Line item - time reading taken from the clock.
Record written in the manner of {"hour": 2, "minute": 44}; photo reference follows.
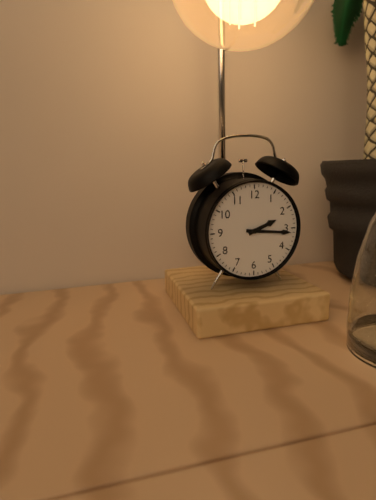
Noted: {"hour": 2, "minute": 16}
